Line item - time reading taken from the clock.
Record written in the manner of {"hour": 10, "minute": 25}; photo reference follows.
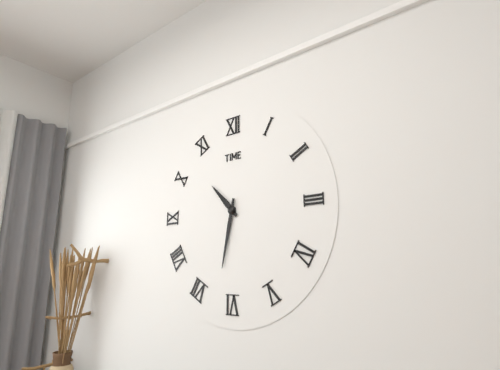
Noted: {"hour": 10, "minute": 32}
